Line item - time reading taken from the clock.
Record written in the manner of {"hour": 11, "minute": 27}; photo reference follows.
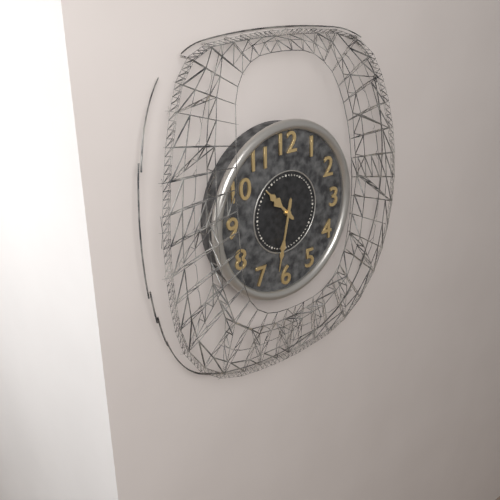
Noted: {"hour": 10, "minute": 32}
